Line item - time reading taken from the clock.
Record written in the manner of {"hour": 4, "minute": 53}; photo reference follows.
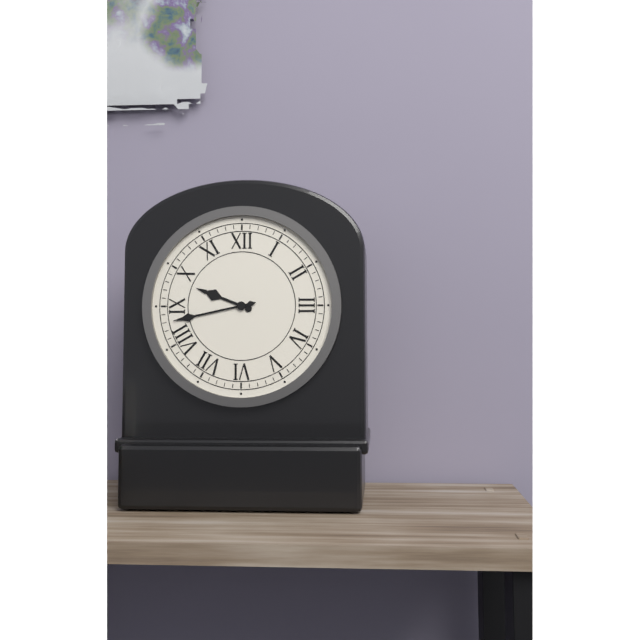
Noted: {"hour": 9, "minute": 43}
